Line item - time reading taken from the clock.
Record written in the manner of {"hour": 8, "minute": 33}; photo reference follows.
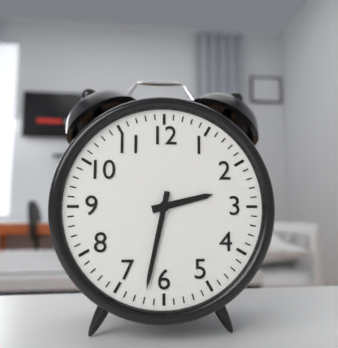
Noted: {"hour": 2, "minute": 32}
